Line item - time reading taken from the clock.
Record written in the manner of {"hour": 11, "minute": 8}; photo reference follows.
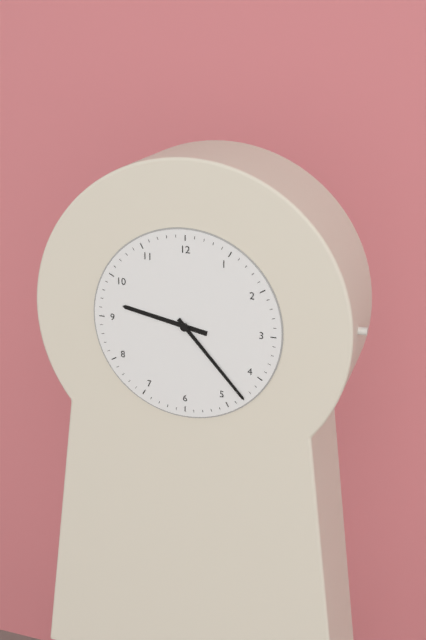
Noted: {"hour": 9, "minute": 23}
